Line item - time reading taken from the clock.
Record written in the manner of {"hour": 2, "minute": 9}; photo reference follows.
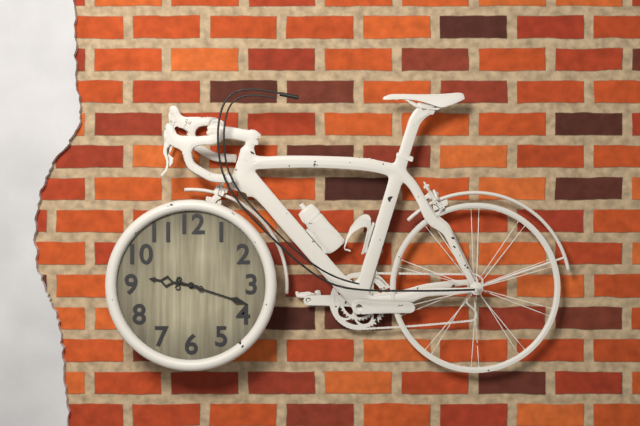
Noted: {"hour": 9, "minute": 18}
